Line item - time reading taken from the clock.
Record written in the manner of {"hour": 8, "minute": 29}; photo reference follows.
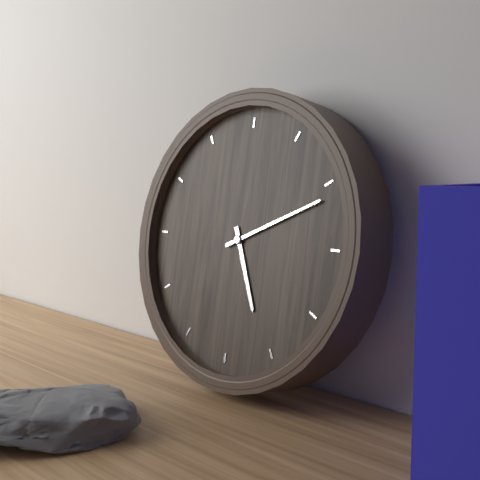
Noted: {"hour": 5, "minute": 11}
